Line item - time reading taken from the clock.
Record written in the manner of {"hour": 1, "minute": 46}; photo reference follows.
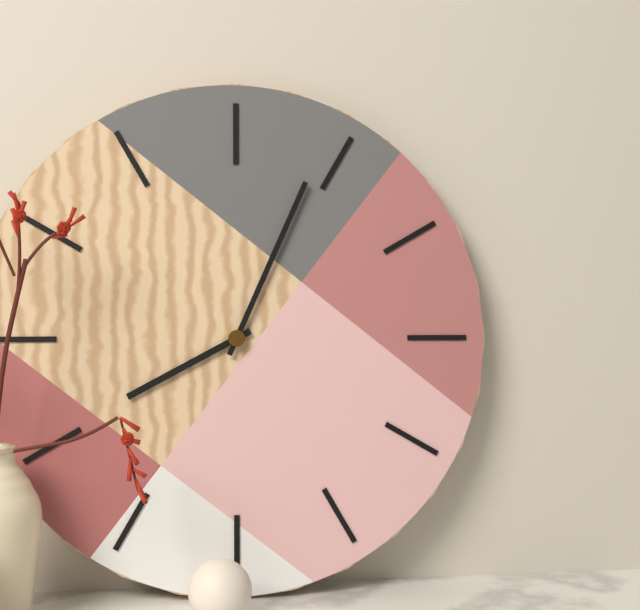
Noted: {"hour": 8, "minute": 4}
